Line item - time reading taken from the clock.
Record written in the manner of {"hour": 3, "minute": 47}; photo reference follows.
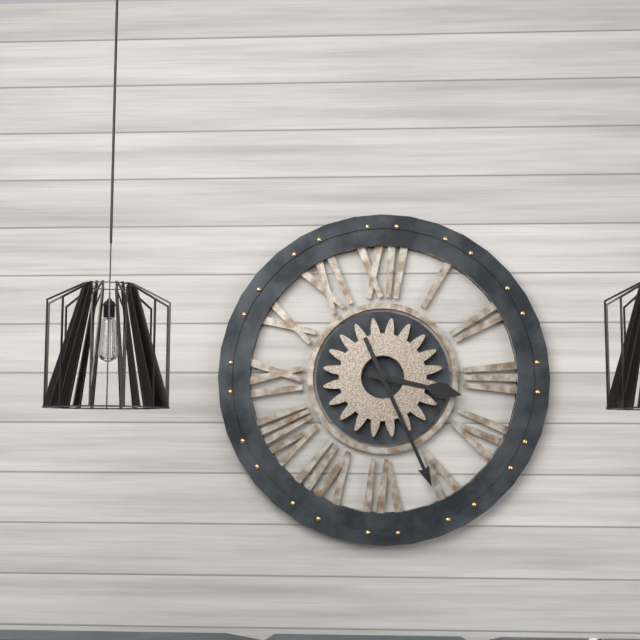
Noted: {"hour": 3, "minute": 26}
